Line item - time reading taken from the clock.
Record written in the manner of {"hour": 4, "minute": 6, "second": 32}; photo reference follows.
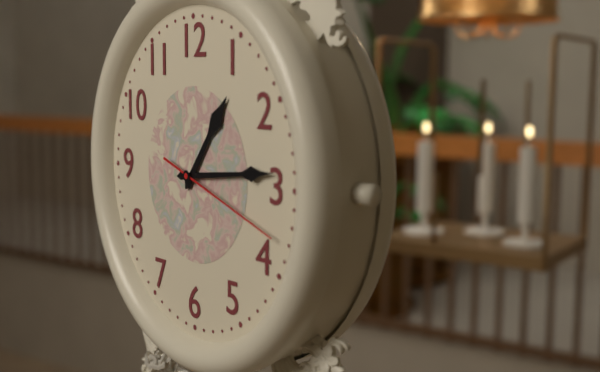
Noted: {"hour": 1, "minute": 14, "second": 18}
